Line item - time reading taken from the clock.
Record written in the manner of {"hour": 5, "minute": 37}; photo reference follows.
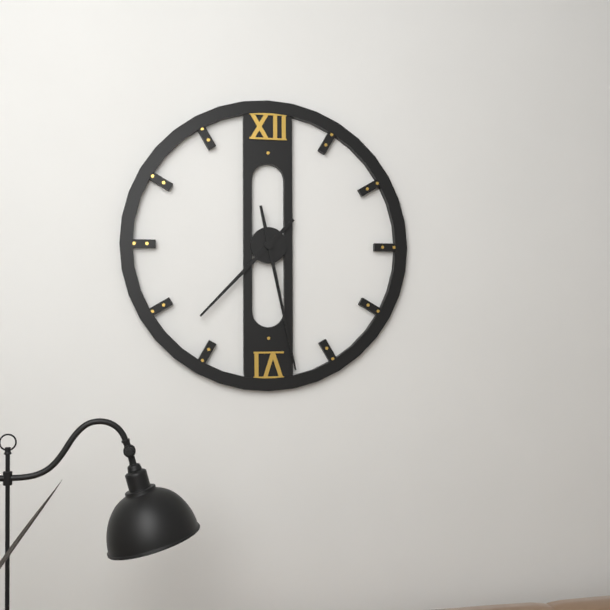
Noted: {"hour": 7, "minute": 28}
